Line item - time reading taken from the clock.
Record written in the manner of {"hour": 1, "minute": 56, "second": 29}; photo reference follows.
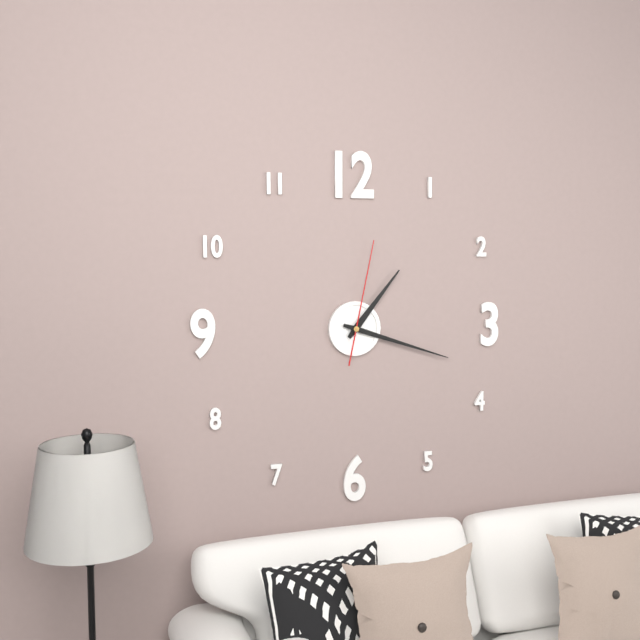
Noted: {"hour": 1, "minute": 18, "second": 2}
